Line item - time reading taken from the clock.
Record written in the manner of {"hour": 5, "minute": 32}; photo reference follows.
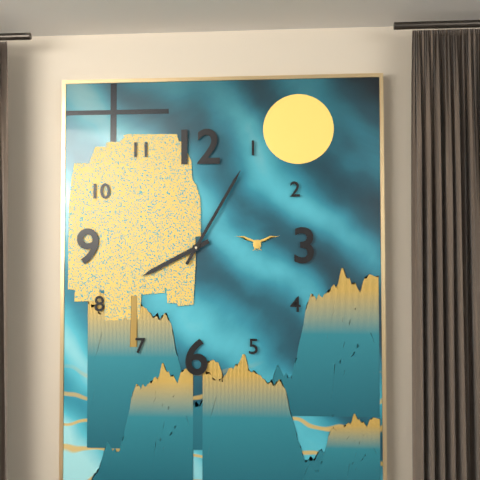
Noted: {"hour": 8, "minute": 5}
